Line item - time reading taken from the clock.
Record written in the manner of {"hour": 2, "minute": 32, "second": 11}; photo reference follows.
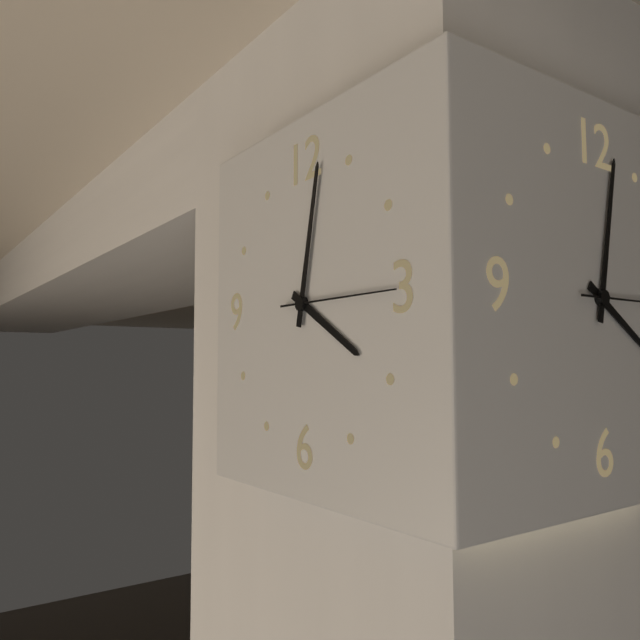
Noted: {"hour": 4, "minute": 2, "second": 15}
